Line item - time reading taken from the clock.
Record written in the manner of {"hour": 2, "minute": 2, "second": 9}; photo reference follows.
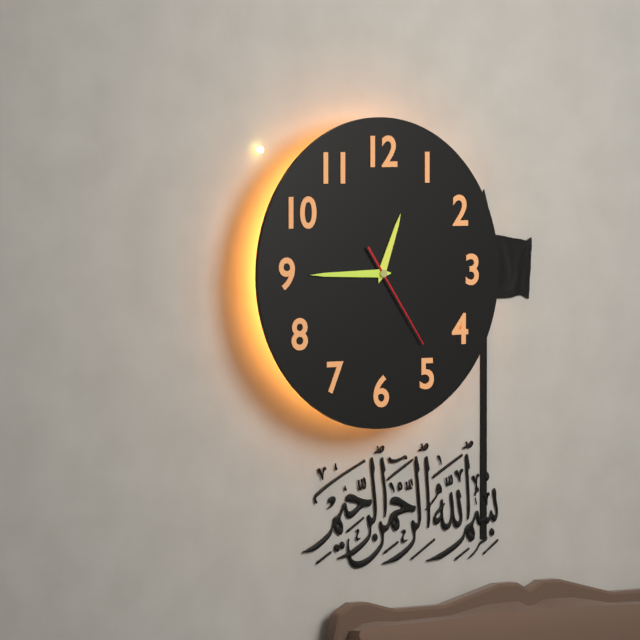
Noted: {"hour": 12, "minute": 45, "second": 24}
